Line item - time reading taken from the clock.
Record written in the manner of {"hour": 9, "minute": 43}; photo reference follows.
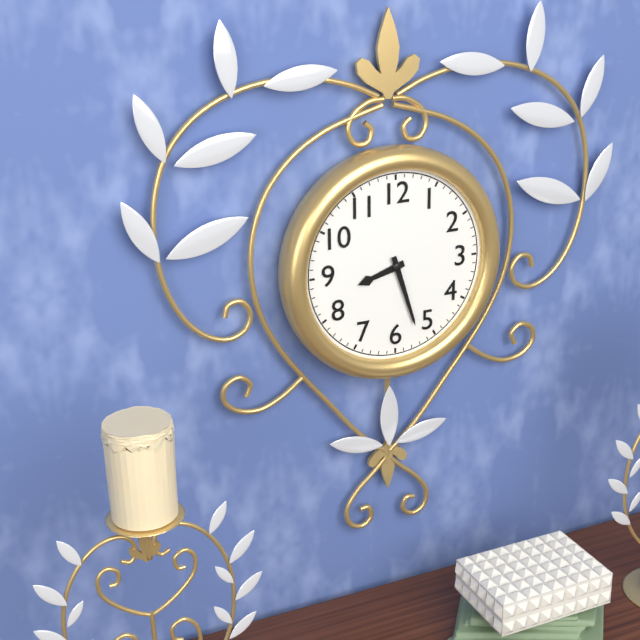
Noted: {"hour": 8, "minute": 27}
